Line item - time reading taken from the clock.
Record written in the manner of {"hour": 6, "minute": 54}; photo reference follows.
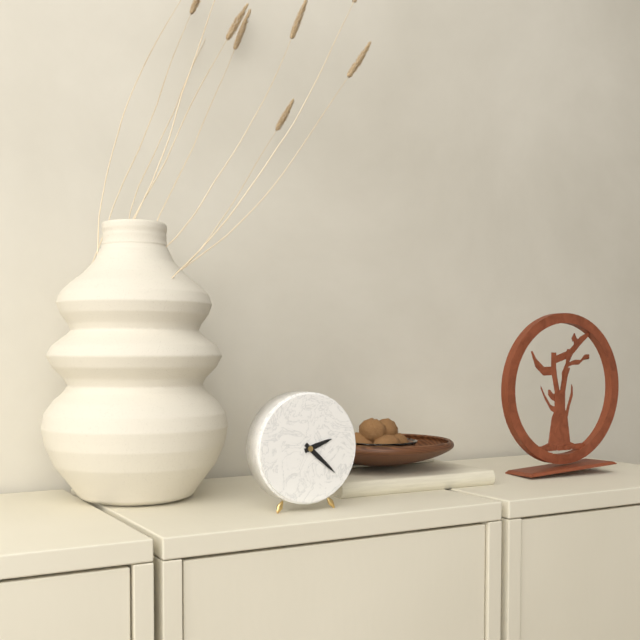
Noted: {"hour": 2, "minute": 22}
